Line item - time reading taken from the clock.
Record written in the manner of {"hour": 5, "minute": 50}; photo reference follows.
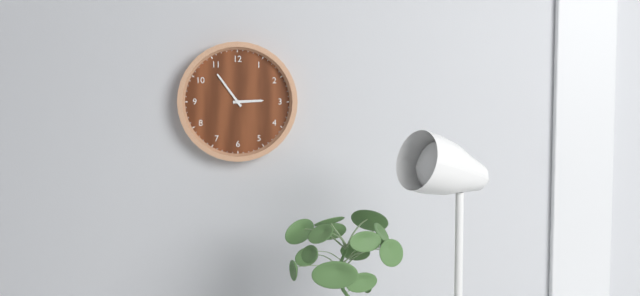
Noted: {"hour": 2, "minute": 54}
